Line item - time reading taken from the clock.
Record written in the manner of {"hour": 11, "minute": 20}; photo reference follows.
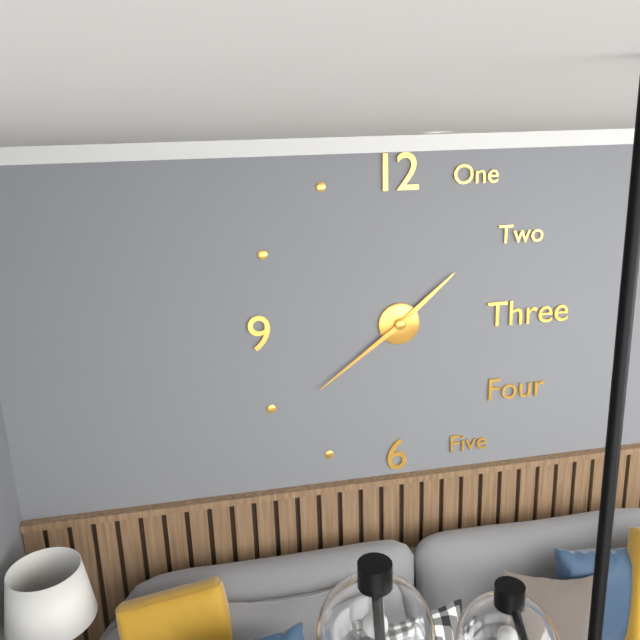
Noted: {"hour": 1, "minute": 39}
